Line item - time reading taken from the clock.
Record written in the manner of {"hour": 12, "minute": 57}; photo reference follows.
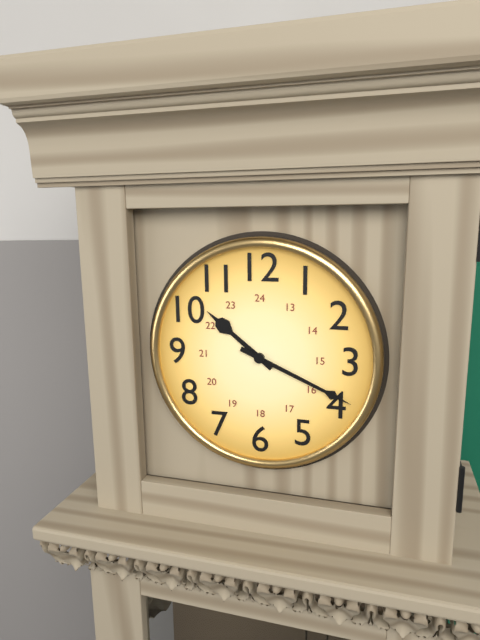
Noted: {"hour": 10, "minute": 19}
